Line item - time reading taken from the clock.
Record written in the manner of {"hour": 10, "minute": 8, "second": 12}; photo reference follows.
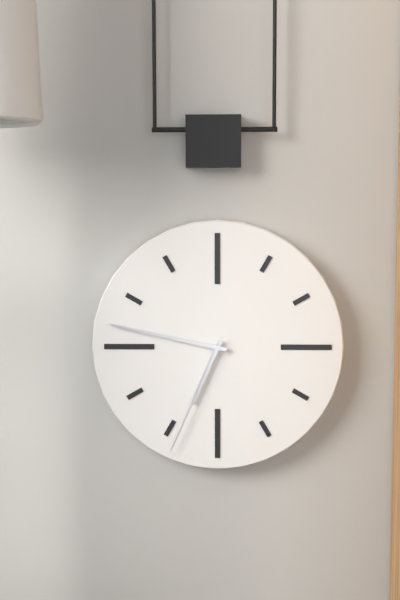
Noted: {"hour": 6, "minute": 47, "second": 34}
